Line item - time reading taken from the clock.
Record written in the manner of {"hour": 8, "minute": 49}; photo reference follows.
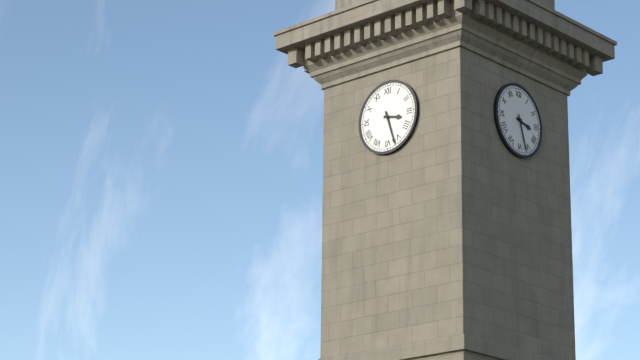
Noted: {"hour": 3, "minute": 27}
